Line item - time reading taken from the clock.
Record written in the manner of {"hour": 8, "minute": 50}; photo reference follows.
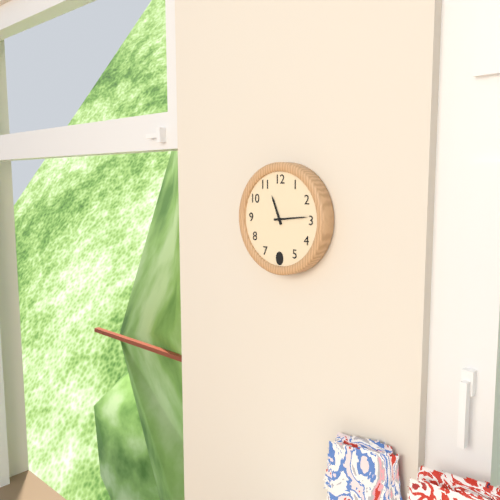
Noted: {"hour": 11, "minute": 14}
